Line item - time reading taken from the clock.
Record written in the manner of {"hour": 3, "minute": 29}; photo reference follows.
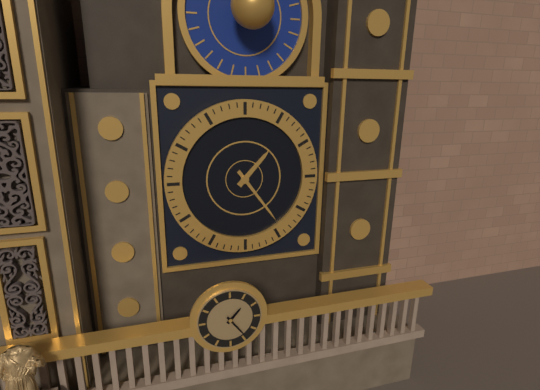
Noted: {"hour": 1, "minute": 24}
